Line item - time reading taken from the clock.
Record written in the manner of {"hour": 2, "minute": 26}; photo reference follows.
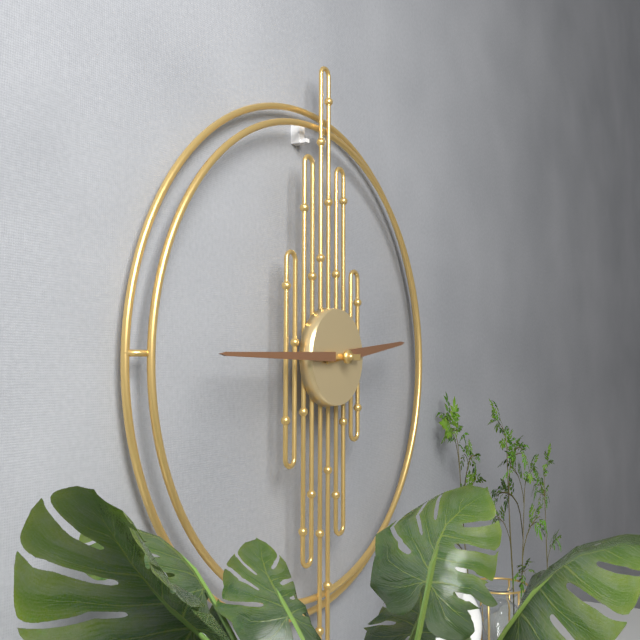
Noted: {"hour": 2, "minute": 45}
